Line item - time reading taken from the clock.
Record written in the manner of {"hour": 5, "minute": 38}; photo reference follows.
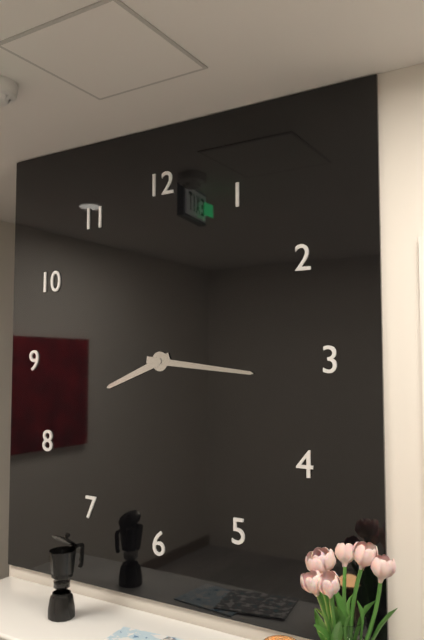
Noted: {"hour": 8, "minute": 16}
